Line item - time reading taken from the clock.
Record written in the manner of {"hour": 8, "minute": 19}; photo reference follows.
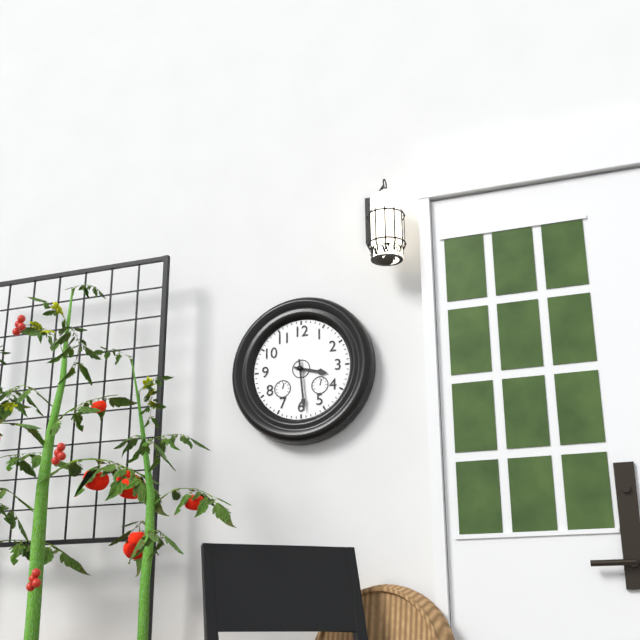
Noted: {"hour": 3, "minute": 29}
